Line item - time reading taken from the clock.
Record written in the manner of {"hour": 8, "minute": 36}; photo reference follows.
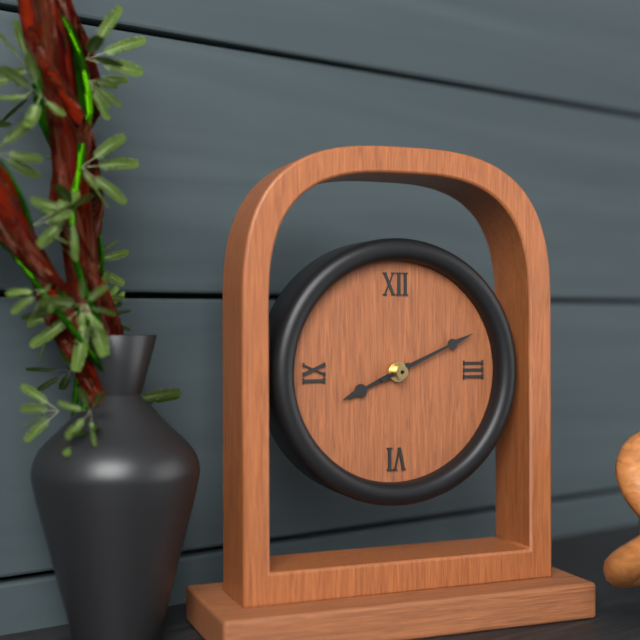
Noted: {"hour": 8, "minute": 11}
